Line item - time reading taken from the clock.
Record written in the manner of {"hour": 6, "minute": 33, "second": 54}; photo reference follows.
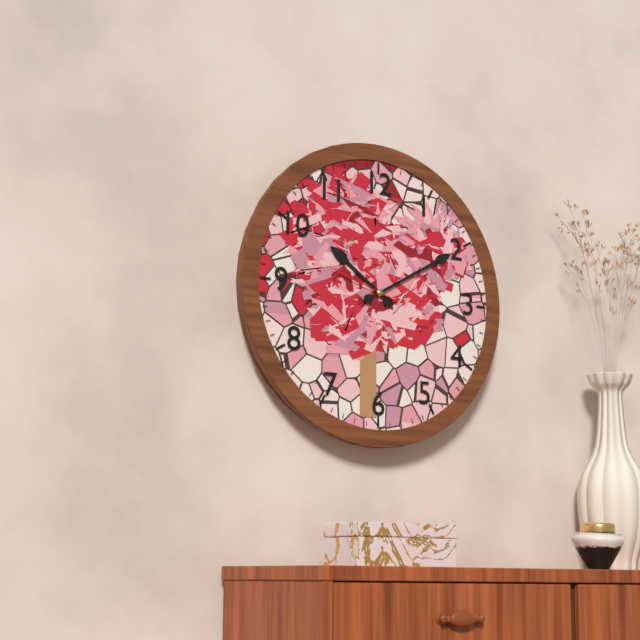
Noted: {"hour": 10, "minute": 10, "second": 48}
